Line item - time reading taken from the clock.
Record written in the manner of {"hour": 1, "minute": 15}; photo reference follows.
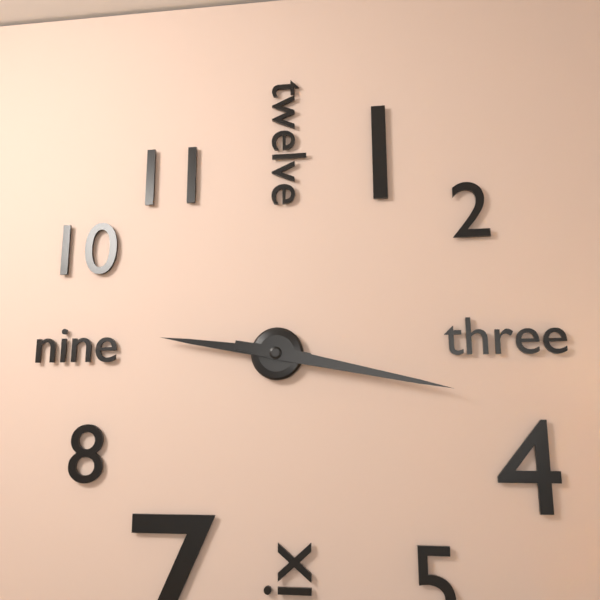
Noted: {"hour": 9, "minute": 17}
